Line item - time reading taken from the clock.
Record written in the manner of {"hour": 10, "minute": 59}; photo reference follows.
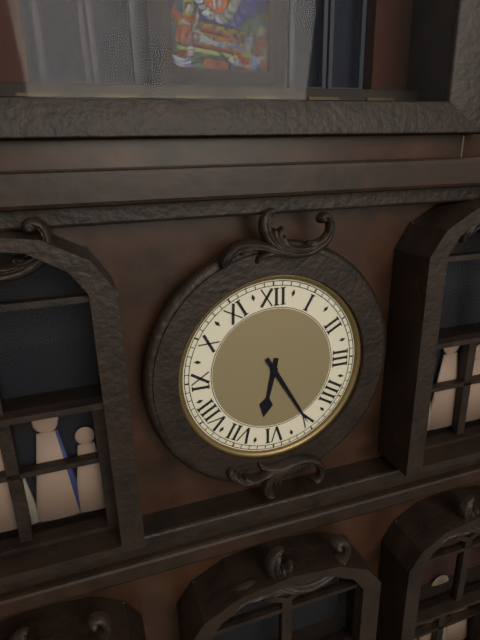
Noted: {"hour": 6, "minute": 25}
